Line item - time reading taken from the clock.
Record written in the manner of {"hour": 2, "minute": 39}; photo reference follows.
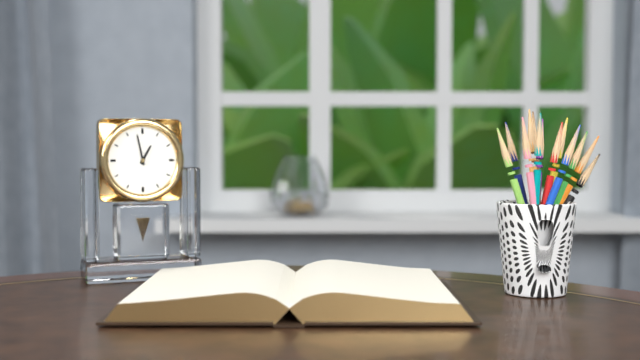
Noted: {"hour": 12, "minute": 58}
